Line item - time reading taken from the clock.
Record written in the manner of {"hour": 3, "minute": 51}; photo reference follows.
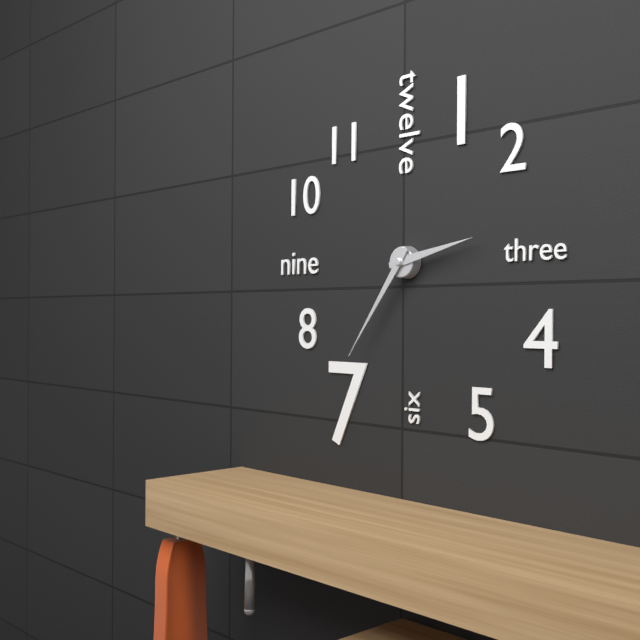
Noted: {"hour": 2, "minute": 36}
